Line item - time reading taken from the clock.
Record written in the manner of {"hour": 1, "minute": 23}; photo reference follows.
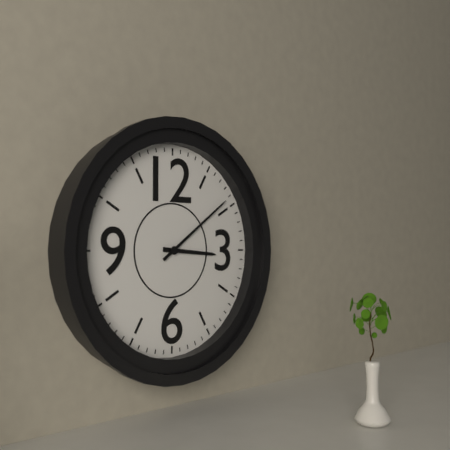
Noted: {"hour": 3, "minute": 9}
